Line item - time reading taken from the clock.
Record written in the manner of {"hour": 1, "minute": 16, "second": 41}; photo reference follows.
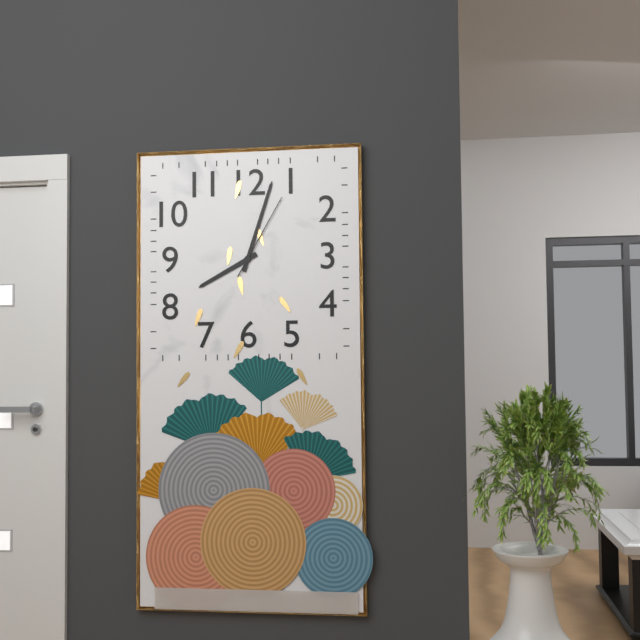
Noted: {"hour": 8, "minute": 3, "second": 5}
